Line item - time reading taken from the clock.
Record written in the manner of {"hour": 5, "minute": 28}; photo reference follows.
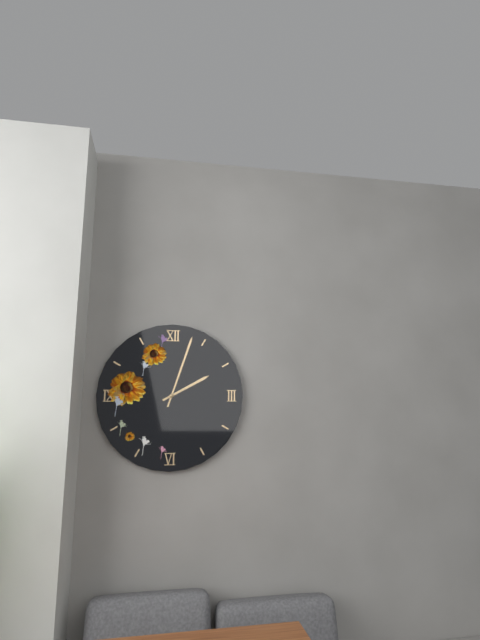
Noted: {"hour": 2, "minute": 3}
